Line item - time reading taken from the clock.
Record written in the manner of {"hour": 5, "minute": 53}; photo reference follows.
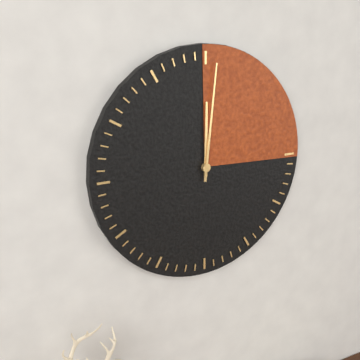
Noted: {"hour": 12, "minute": 1}
